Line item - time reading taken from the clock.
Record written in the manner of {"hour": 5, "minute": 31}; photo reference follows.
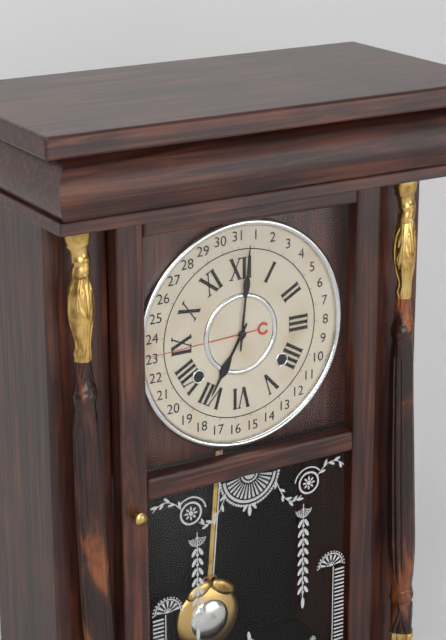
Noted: {"hour": 7, "minute": 1}
